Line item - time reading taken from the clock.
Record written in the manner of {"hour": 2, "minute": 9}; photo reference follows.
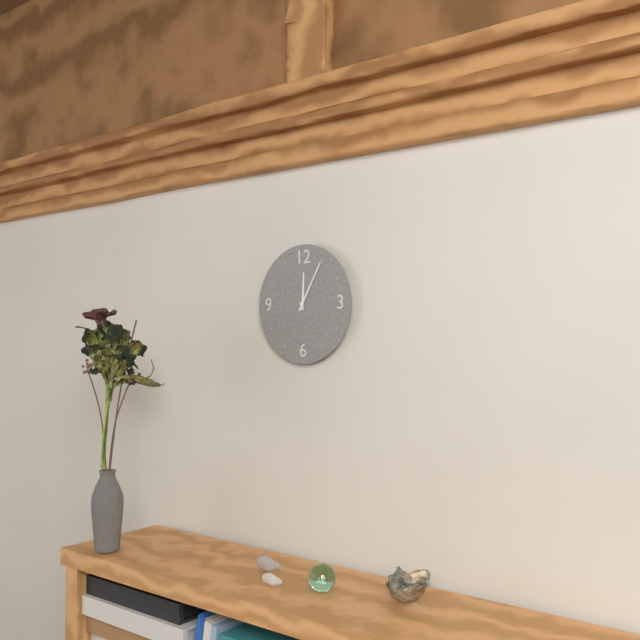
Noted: {"hour": 12, "minute": 5}
